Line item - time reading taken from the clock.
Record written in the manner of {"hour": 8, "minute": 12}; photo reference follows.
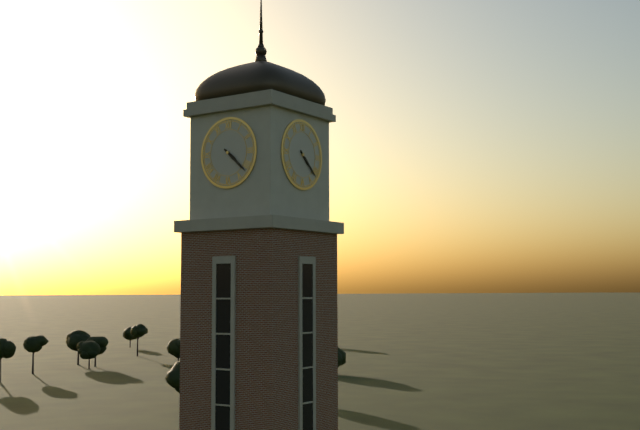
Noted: {"hour": 4, "minute": 22}
